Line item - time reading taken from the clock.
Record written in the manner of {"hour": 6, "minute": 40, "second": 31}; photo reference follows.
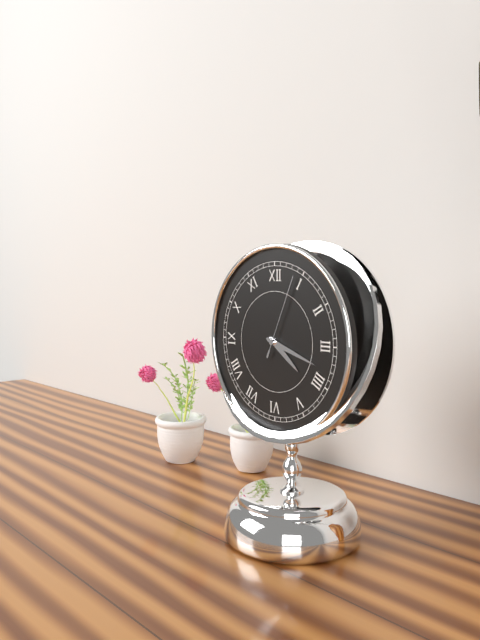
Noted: {"hour": 4, "minute": 18, "second": 4}
